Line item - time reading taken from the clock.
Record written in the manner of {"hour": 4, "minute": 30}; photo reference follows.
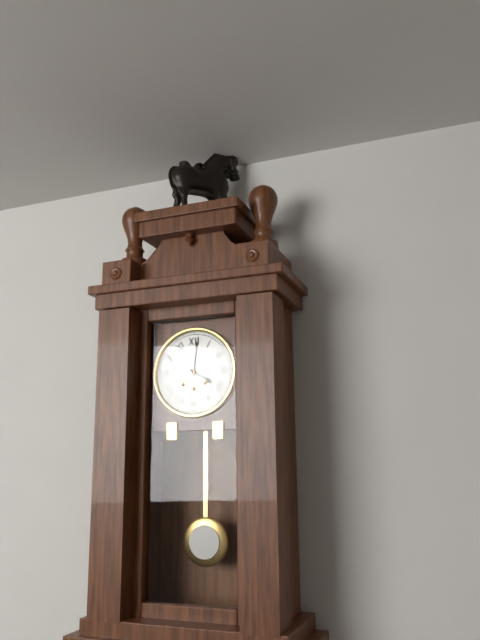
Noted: {"hour": 4, "minute": 1}
